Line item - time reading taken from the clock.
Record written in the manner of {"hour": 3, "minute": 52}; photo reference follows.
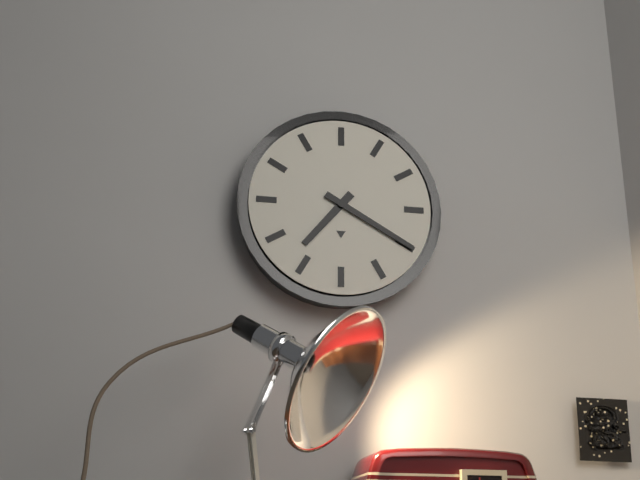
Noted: {"hour": 7, "minute": 20}
